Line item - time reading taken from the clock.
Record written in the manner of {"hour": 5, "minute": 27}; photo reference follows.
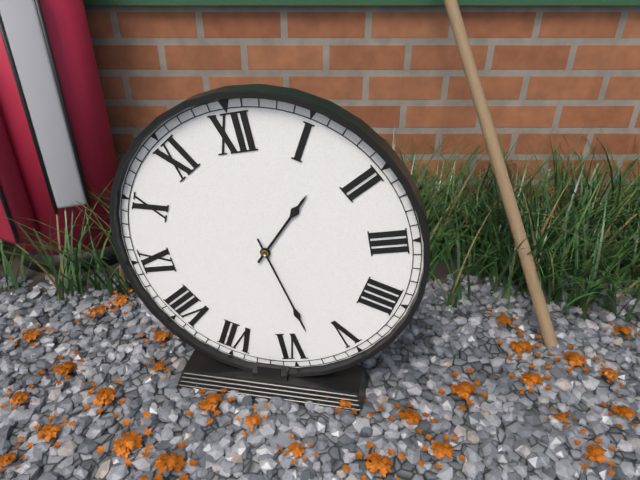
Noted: {"hour": 1, "minute": 28}
